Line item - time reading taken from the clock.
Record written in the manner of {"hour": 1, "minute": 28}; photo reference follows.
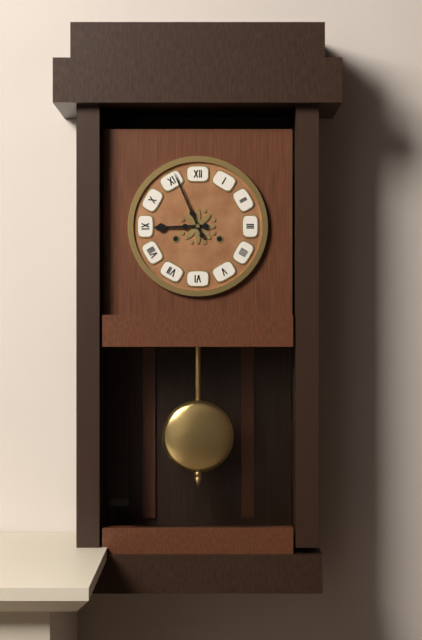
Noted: {"hour": 8, "minute": 56}
